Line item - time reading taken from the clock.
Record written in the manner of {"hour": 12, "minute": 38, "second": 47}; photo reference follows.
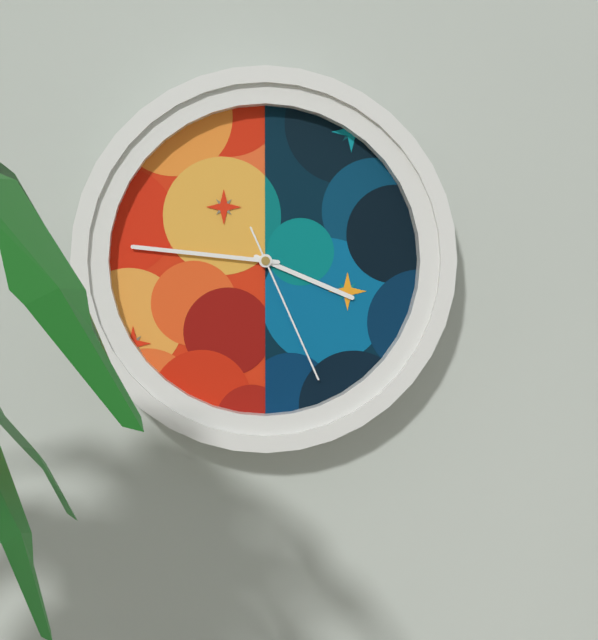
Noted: {"hour": 3, "minute": 46, "second": 26}
